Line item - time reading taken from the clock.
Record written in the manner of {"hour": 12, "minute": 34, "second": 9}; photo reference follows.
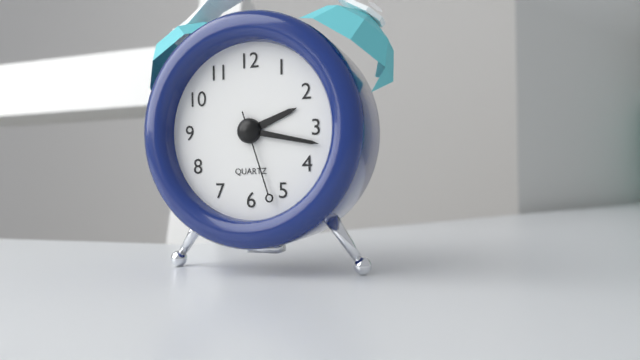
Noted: {"hour": 2, "minute": 17, "second": 27}
